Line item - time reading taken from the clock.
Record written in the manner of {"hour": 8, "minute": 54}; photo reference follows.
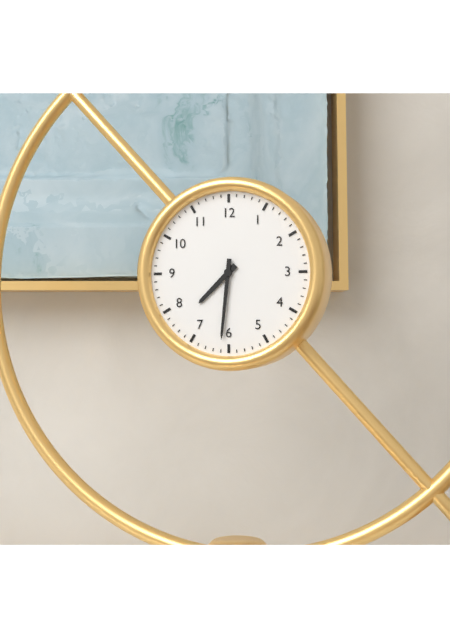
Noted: {"hour": 7, "minute": 31}
